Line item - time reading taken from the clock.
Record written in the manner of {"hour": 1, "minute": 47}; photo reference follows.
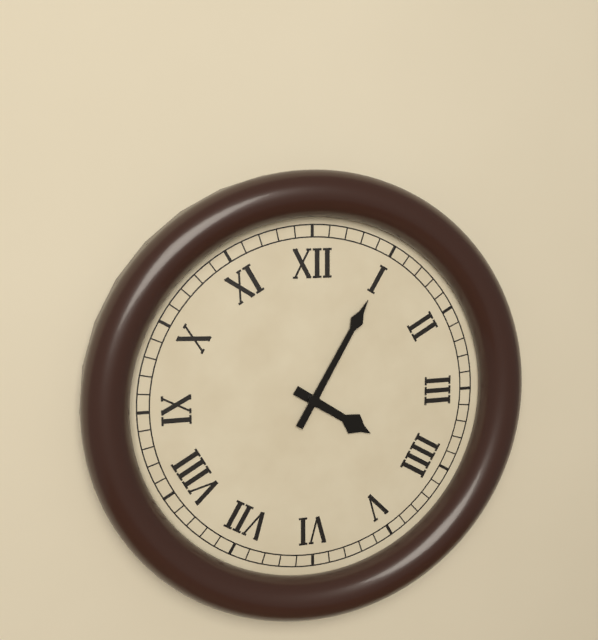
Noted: {"hour": 4, "minute": 5}
